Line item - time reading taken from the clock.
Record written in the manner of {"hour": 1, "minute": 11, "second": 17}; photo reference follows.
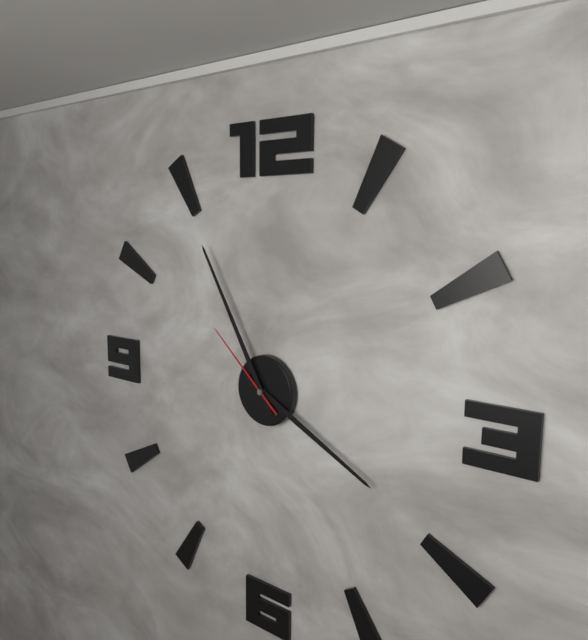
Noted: {"hour": 3, "minute": 55, "second": 52}
